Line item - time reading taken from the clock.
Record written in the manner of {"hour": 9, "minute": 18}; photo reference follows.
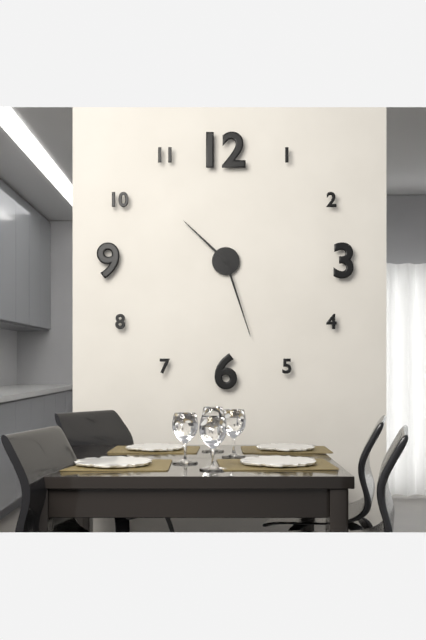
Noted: {"hour": 10, "minute": 27}
